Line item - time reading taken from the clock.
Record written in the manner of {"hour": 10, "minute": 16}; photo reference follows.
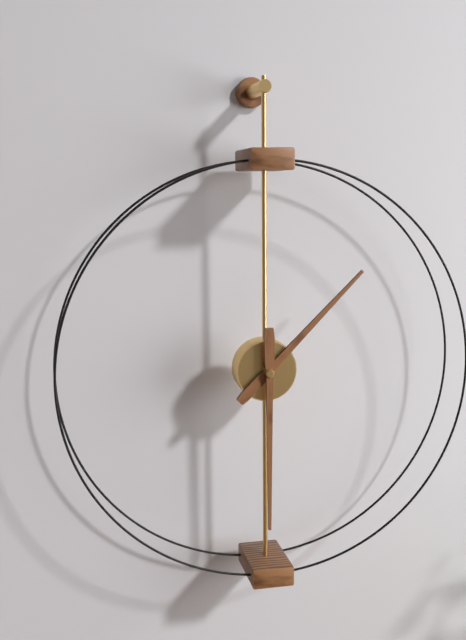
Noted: {"hour": 1, "minute": 30}
